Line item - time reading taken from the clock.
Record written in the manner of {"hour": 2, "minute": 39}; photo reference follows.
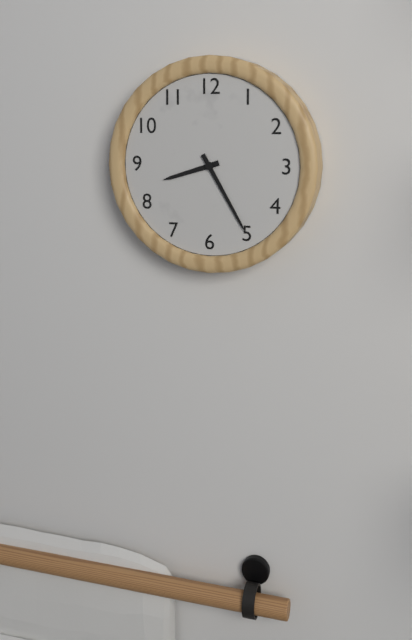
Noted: {"hour": 8, "minute": 25}
